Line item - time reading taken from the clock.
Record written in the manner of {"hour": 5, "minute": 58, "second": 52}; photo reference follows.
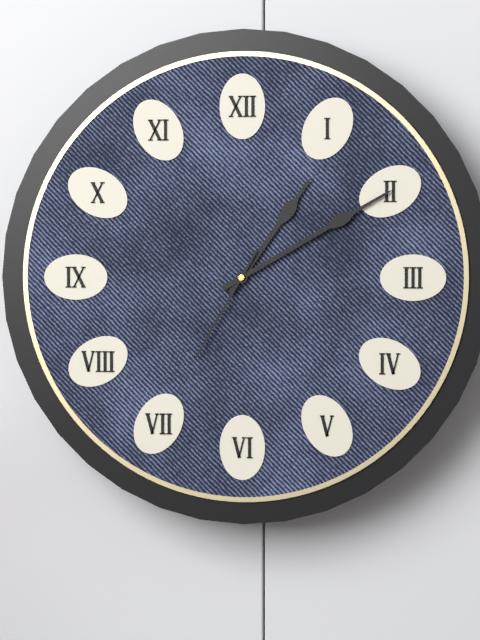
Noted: {"hour": 1, "minute": 10, "second": 35}
